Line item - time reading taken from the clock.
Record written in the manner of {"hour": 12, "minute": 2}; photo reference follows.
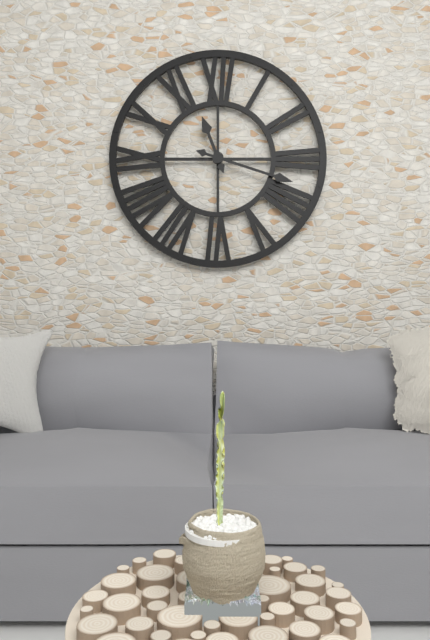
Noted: {"hour": 11, "minute": 18}
